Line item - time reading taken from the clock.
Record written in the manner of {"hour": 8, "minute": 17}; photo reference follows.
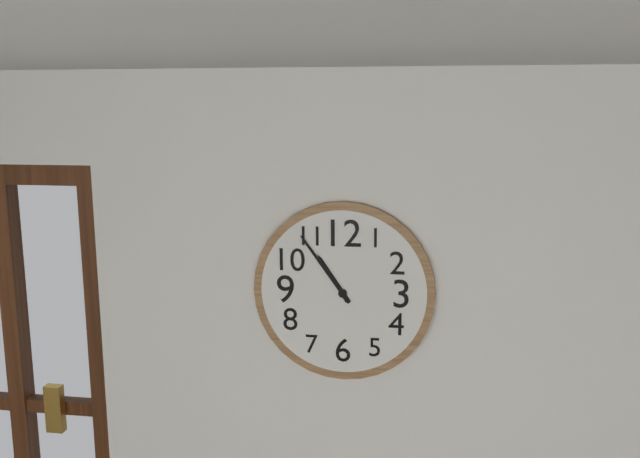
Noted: {"hour": 10, "minute": 54}
